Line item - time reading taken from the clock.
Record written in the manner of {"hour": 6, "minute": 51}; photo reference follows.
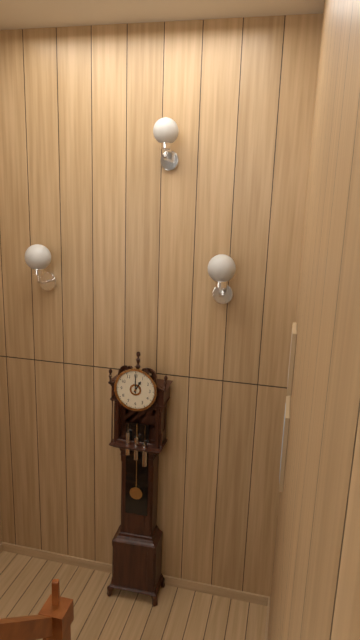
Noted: {"hour": 1, "minute": 0}
